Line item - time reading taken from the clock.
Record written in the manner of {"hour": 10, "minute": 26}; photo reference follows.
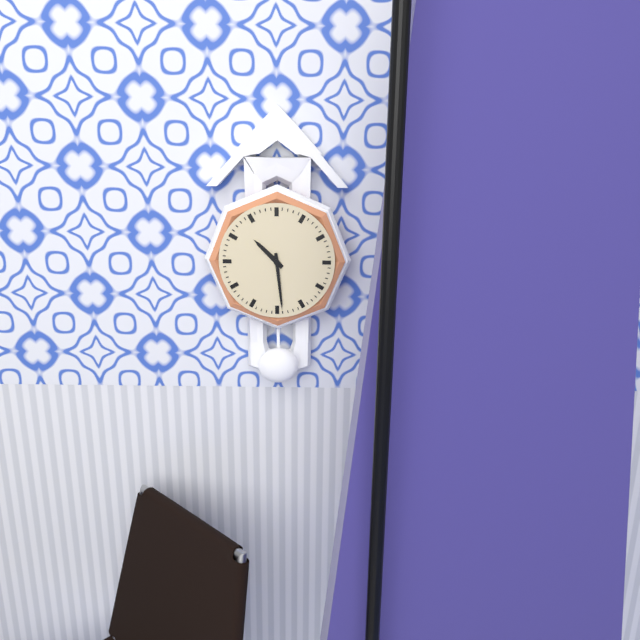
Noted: {"hour": 10, "minute": 29}
